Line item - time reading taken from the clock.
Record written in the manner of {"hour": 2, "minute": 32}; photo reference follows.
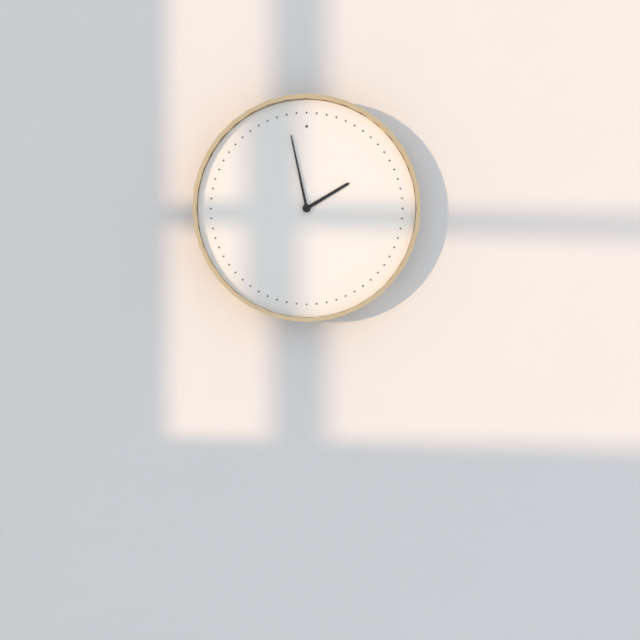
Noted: {"hour": 1, "minute": 58}
